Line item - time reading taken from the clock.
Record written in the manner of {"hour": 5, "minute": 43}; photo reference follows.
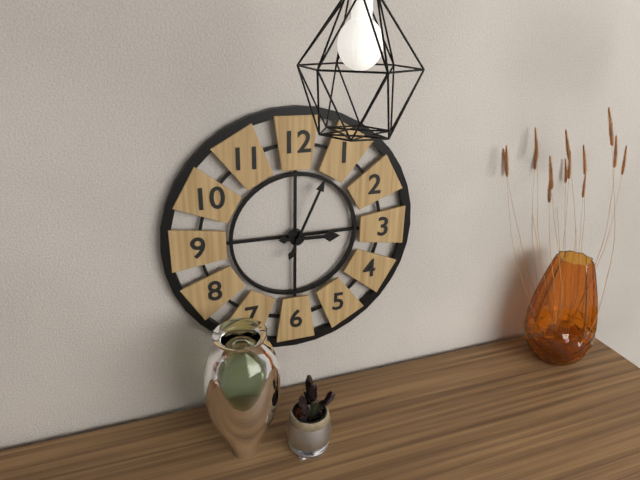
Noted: {"hour": 3, "minute": 4}
